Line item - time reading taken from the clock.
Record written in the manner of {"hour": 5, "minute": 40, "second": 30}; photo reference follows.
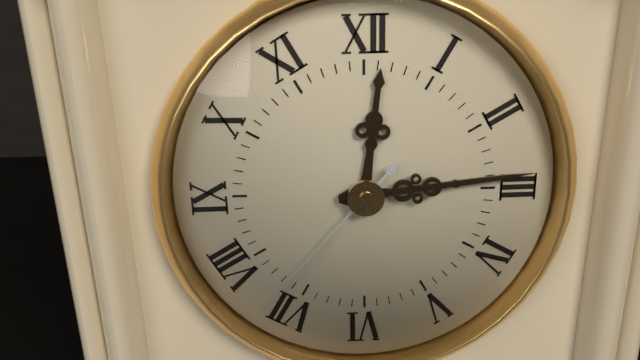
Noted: {"hour": 12, "minute": 14, "second": 37}
